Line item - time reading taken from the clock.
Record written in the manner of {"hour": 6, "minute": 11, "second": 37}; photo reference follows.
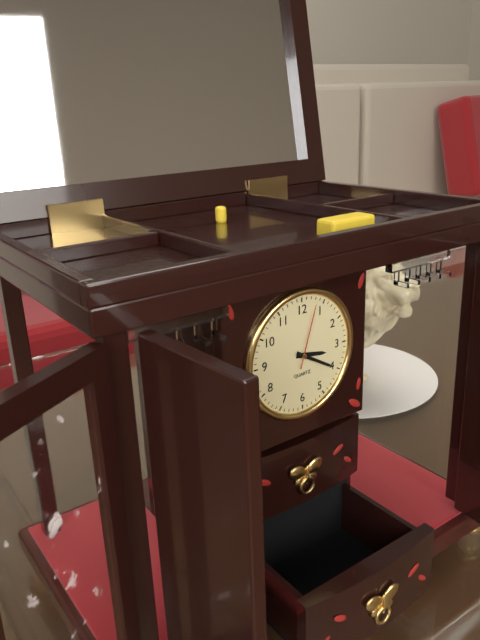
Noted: {"hour": 3, "minute": 20, "second": 3}
